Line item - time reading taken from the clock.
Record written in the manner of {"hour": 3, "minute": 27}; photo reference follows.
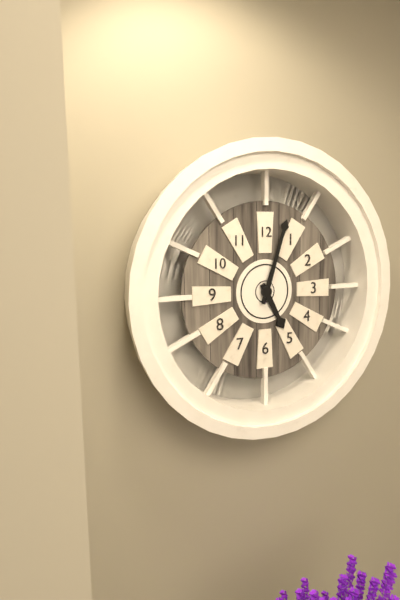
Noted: {"hour": 5, "minute": 3}
